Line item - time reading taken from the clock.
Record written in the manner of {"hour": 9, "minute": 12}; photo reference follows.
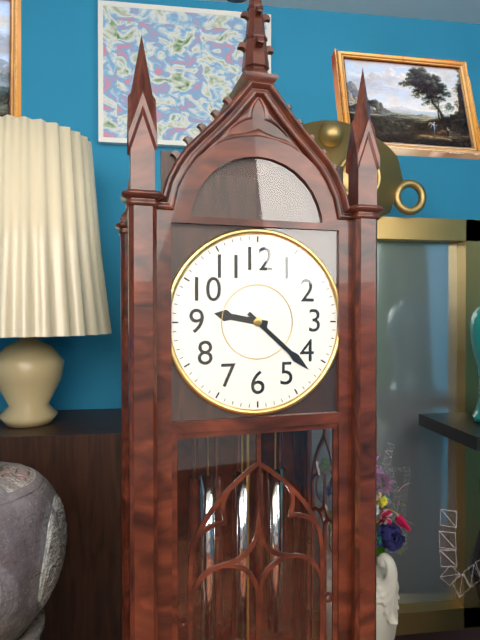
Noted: {"hour": 9, "minute": 22}
